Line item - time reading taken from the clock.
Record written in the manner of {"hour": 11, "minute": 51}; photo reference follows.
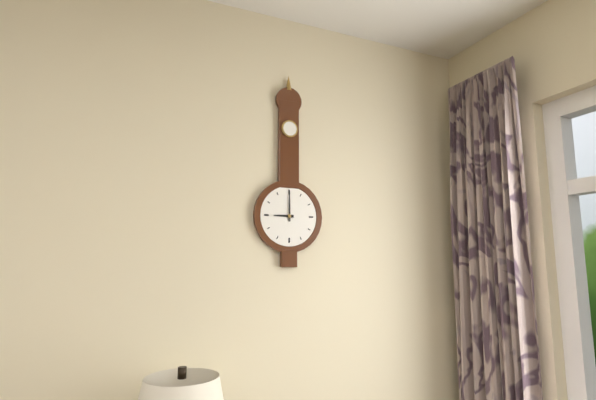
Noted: {"hour": 9, "minute": 0}
